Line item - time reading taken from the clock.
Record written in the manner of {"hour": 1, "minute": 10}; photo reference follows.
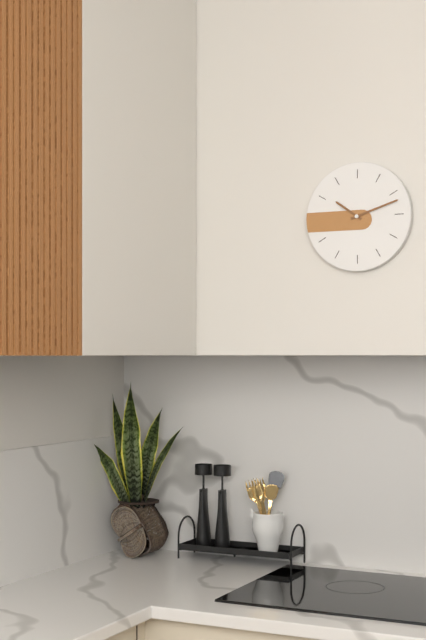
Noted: {"hour": 10, "minute": 12}
